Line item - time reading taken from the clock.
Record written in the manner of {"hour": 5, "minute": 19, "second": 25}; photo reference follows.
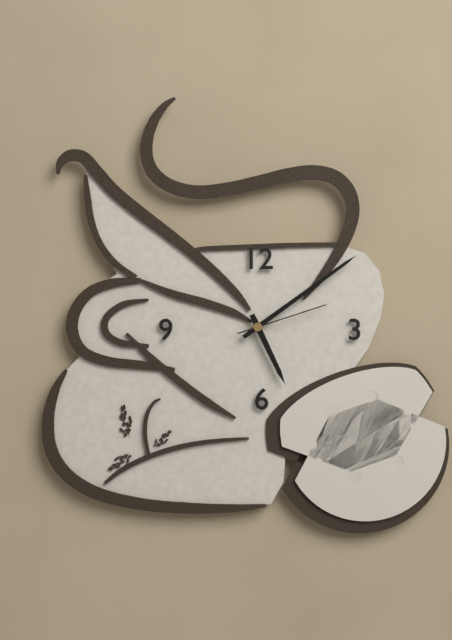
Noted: {"hour": 5, "minute": 9, "second": 12}
